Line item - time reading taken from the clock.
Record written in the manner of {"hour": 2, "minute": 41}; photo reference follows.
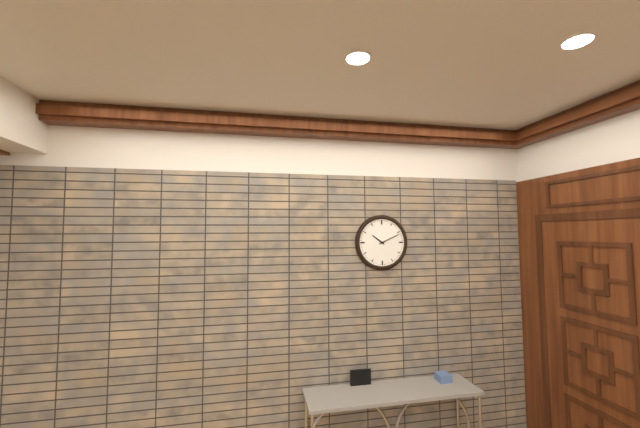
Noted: {"hour": 10, "minute": 11}
